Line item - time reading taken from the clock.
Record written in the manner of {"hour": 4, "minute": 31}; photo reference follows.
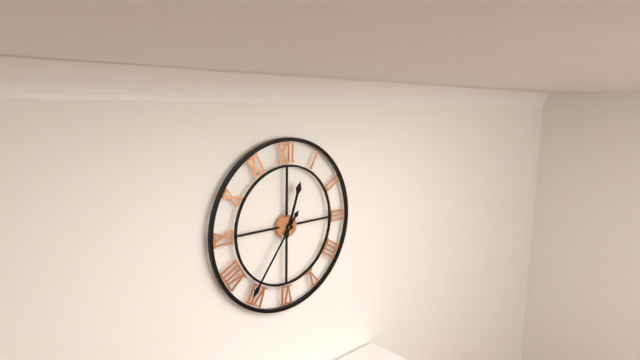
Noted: {"hour": 12, "minute": 36}
